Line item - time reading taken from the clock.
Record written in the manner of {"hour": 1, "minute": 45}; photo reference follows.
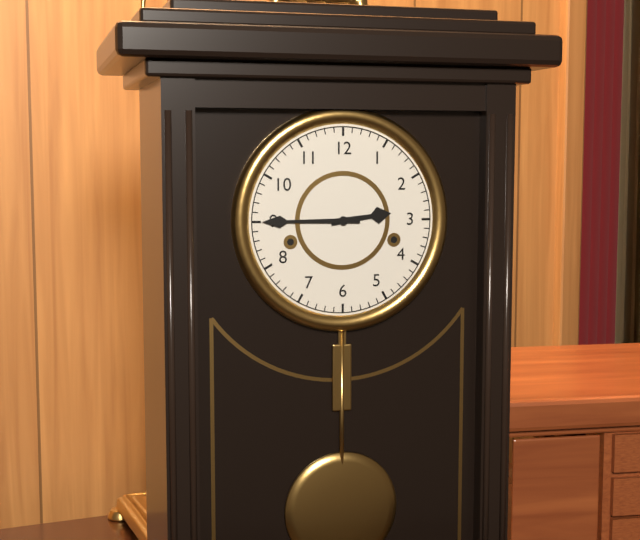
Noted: {"hour": 2, "minute": 45}
